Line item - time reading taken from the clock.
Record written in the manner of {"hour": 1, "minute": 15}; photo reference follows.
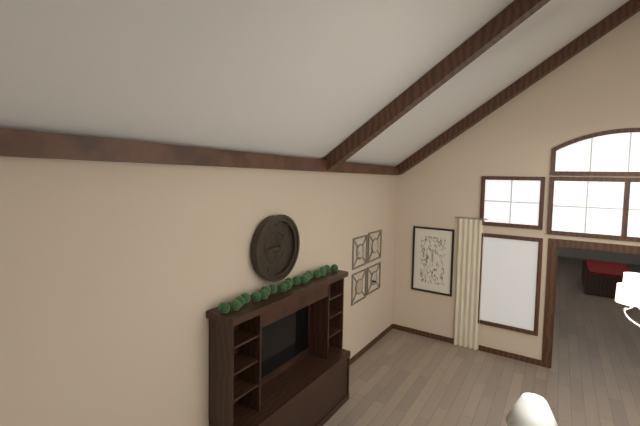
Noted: {"hour": 9, "minute": 4}
